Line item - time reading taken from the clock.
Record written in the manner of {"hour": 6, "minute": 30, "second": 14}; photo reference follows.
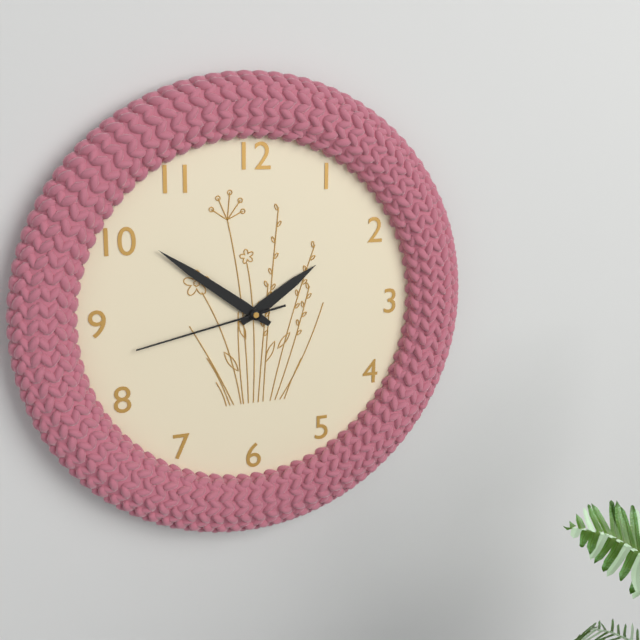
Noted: {"hour": 1, "minute": 51, "second": 43}
